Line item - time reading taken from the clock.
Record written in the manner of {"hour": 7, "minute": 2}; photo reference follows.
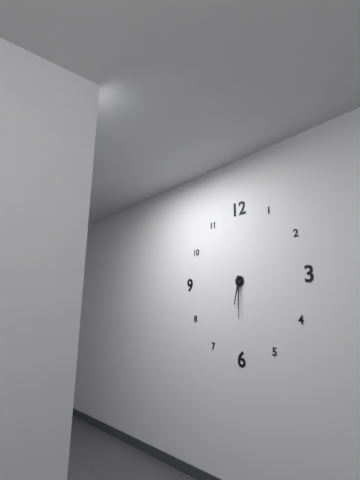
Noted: {"hour": 6, "minute": 30}
